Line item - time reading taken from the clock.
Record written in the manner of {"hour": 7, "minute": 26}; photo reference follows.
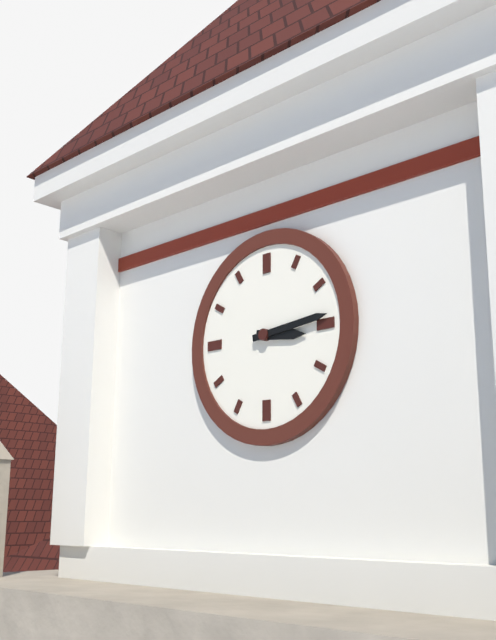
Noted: {"hour": 3, "minute": 14}
